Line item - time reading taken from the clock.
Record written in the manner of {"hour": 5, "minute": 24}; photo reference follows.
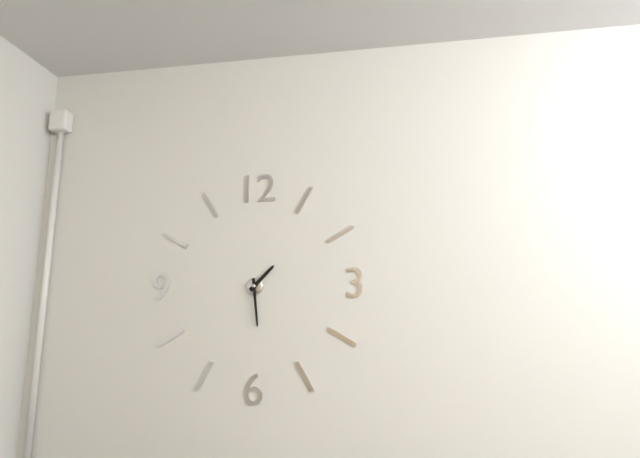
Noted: {"hour": 1, "minute": 29}
